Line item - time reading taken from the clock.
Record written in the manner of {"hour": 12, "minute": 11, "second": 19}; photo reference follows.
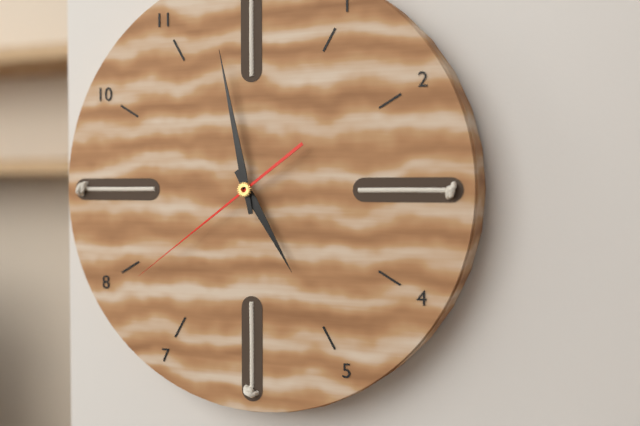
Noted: {"hour": 4, "minute": 58, "second": 39}
